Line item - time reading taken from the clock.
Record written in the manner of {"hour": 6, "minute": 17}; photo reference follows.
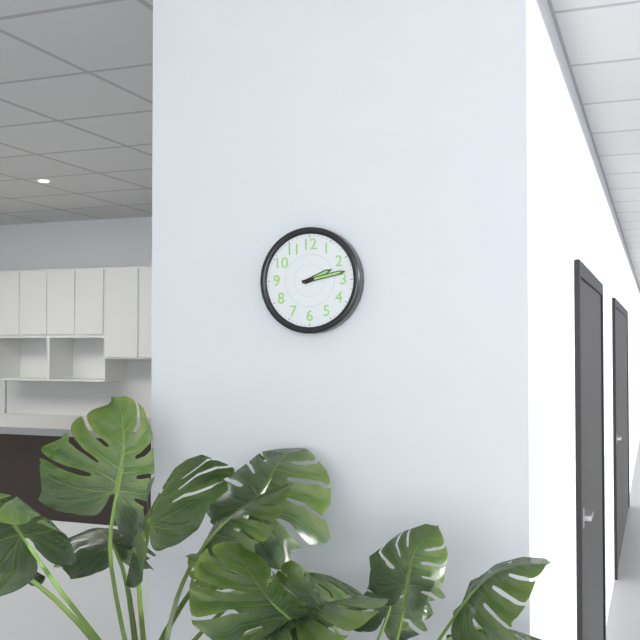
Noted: {"hour": 2, "minute": 13}
